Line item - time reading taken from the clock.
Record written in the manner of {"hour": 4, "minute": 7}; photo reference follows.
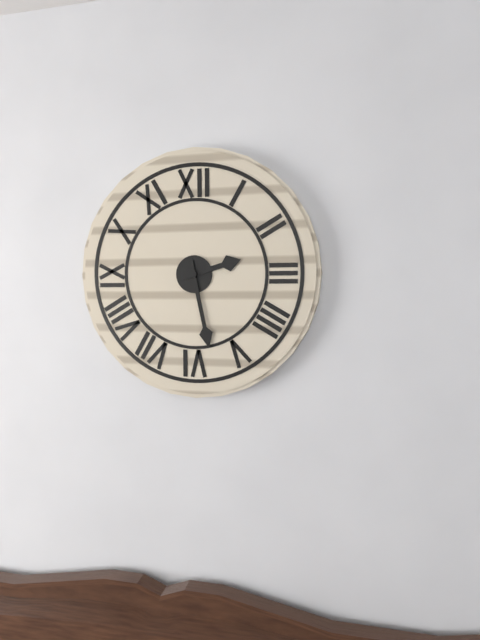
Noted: {"hour": 2, "minute": 28}
